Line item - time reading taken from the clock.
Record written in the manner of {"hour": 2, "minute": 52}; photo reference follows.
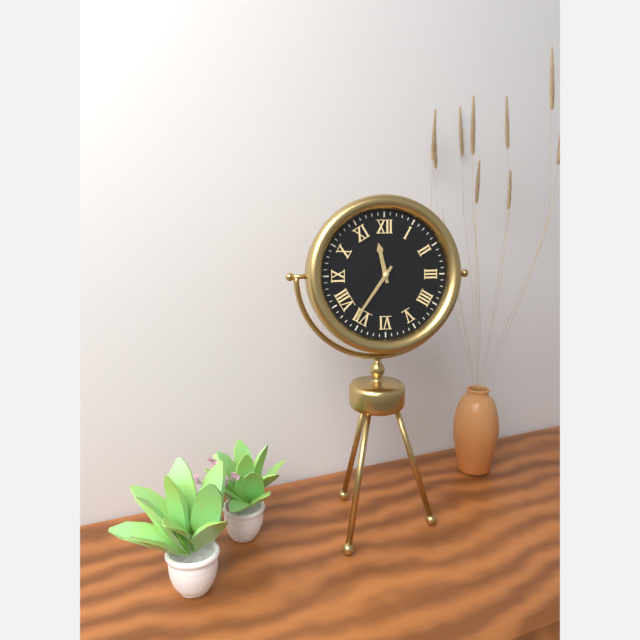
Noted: {"hour": 11, "minute": 36}
